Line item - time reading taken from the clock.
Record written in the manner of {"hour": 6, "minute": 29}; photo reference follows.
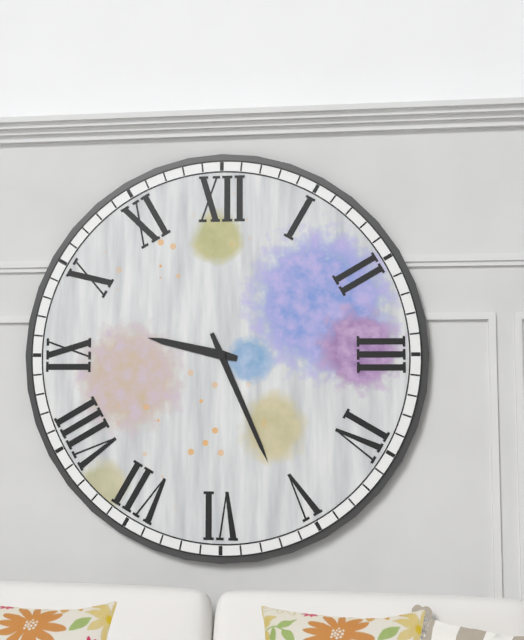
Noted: {"hour": 9, "minute": 26}
